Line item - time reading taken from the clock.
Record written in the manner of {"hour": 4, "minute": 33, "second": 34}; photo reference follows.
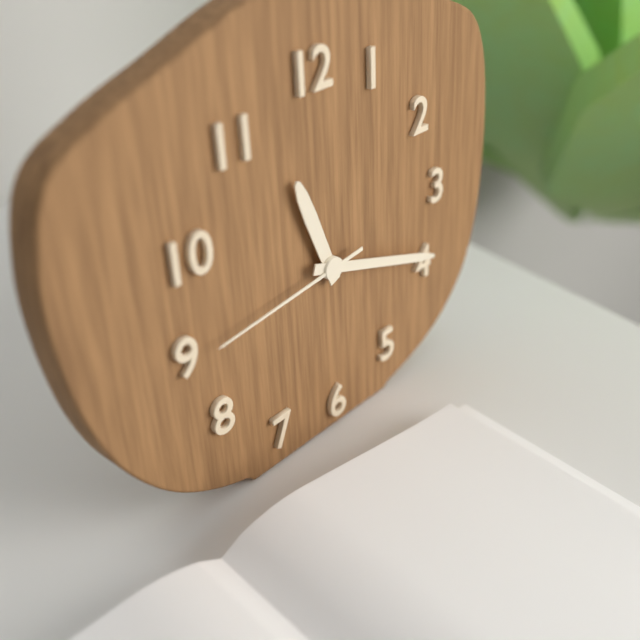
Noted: {"hour": 11, "minute": 18, "second": 44}
